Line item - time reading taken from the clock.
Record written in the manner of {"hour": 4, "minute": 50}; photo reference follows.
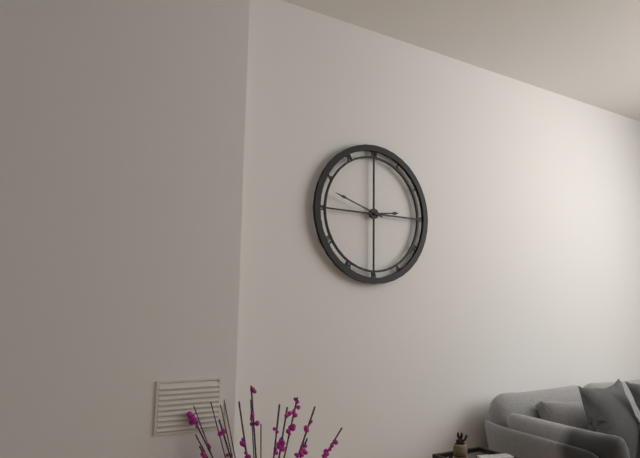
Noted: {"hour": 2, "minute": 48}
